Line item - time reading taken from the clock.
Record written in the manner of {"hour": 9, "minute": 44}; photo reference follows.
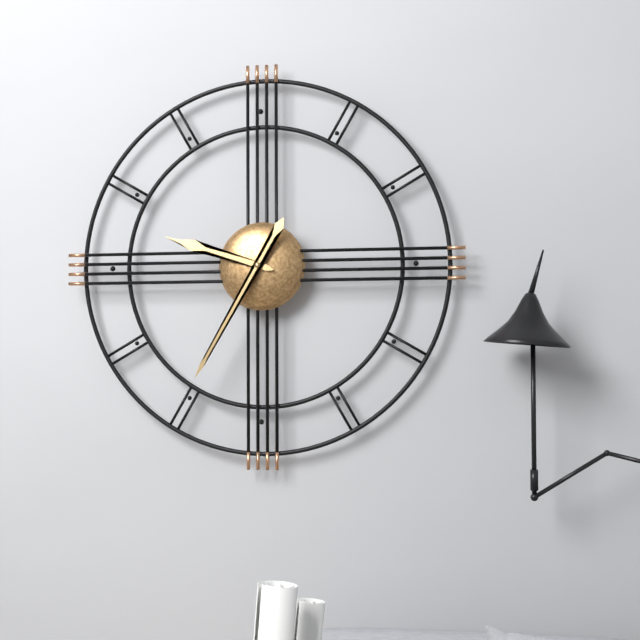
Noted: {"hour": 9, "minute": 35}
